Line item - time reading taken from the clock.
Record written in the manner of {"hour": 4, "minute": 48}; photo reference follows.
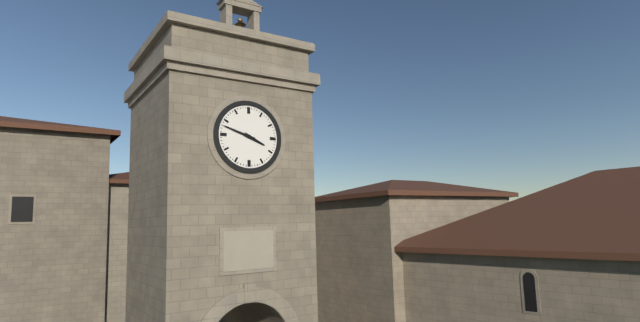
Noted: {"hour": 3, "minute": 48}
